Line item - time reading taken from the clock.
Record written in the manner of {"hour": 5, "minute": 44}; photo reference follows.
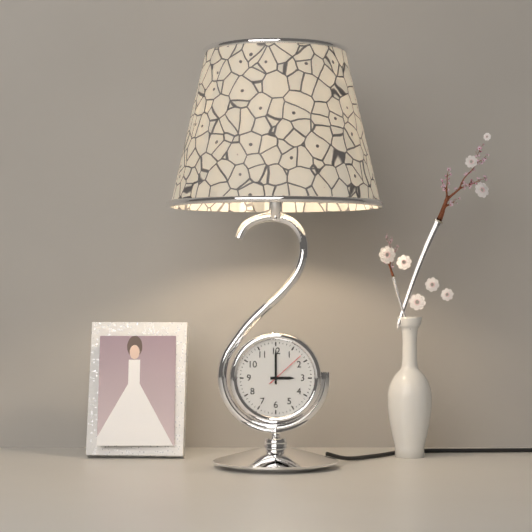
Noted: {"hour": 3, "minute": 0}
